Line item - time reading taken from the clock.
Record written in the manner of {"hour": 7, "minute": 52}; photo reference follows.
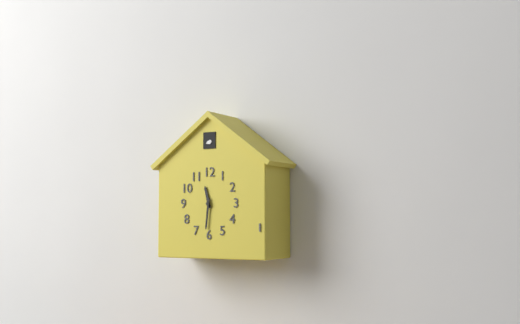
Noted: {"hour": 11, "minute": 31}
